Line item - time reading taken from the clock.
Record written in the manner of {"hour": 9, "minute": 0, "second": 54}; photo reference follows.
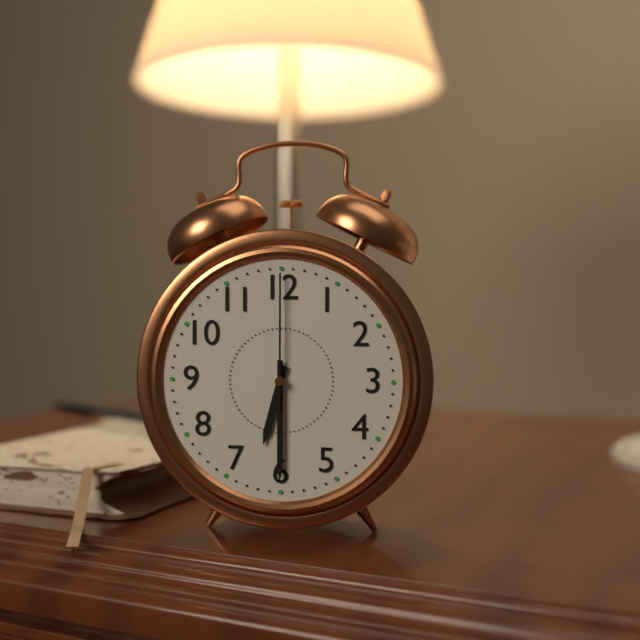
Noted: {"hour": 6, "minute": 30, "second": 0}
